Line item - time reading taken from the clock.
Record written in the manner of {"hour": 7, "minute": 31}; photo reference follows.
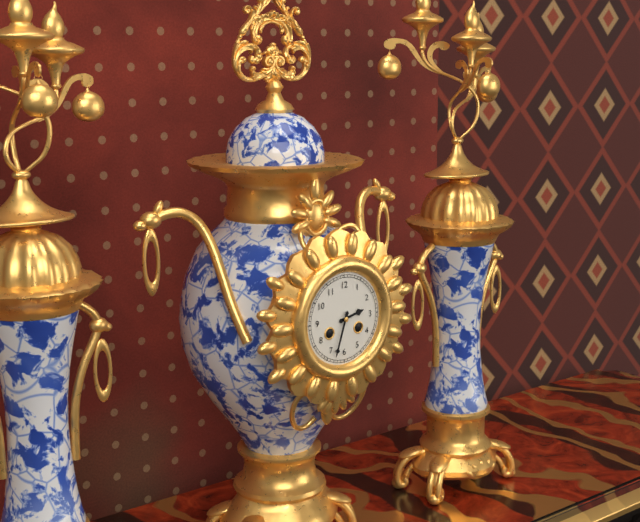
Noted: {"hour": 2, "minute": 33}
